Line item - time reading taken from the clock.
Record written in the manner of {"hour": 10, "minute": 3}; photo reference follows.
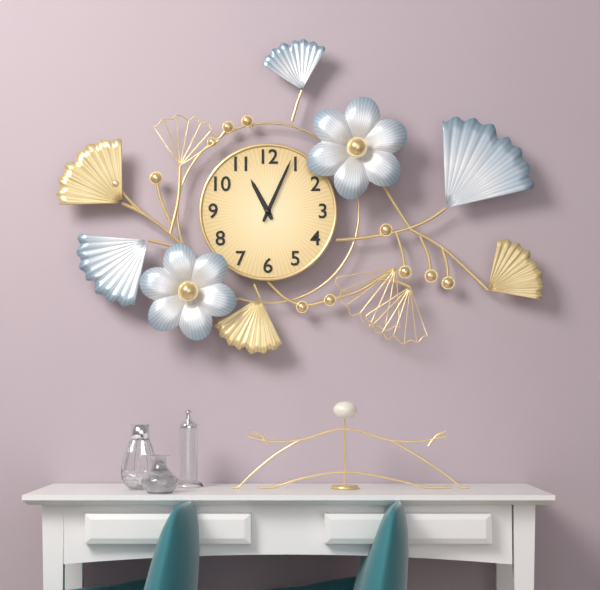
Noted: {"hour": 11, "minute": 4}
